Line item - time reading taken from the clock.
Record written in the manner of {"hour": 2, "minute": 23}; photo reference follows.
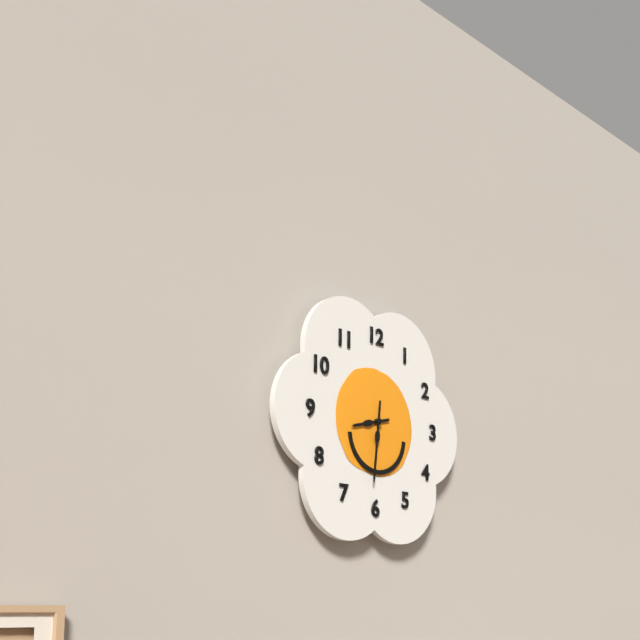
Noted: {"hour": 8, "minute": 31}
